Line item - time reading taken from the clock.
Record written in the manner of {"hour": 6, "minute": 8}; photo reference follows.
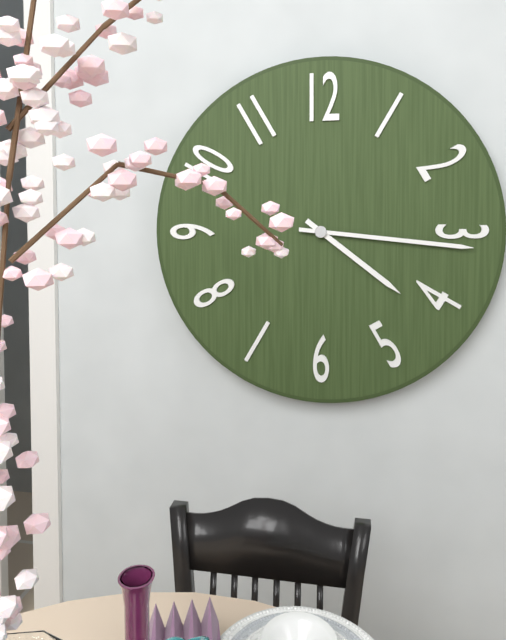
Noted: {"hour": 4, "minute": 16}
